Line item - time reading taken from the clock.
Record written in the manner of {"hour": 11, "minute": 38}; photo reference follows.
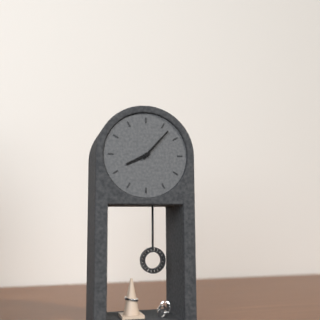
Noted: {"hour": 8, "minute": 7}
